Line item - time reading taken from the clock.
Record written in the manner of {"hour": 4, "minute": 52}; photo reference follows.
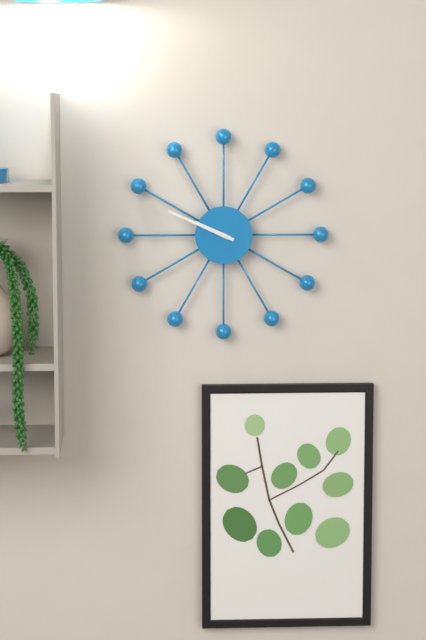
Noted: {"hour": 9, "minute": 49}
